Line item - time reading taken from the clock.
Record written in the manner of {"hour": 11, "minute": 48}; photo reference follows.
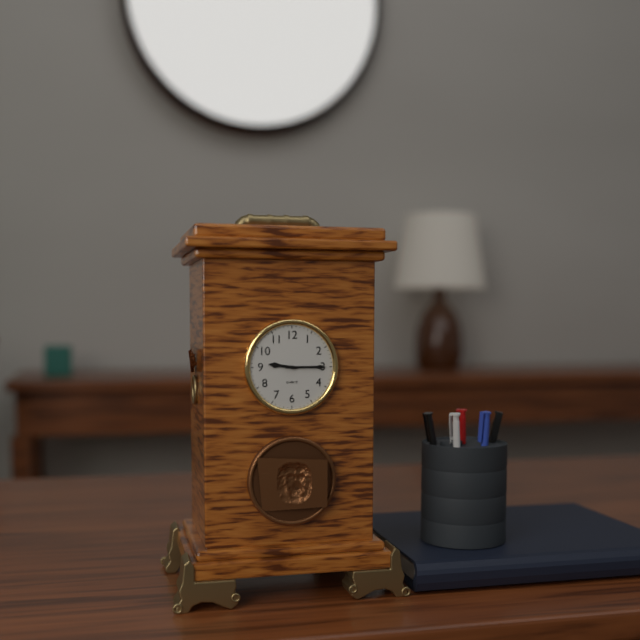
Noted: {"hour": 9, "minute": 15}
